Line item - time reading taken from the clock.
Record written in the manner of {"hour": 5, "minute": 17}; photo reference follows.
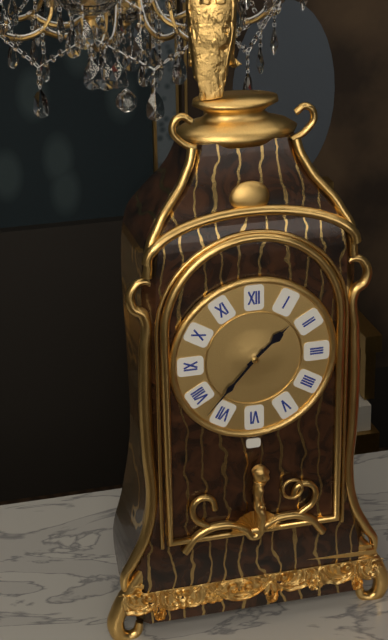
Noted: {"hour": 1, "minute": 37}
